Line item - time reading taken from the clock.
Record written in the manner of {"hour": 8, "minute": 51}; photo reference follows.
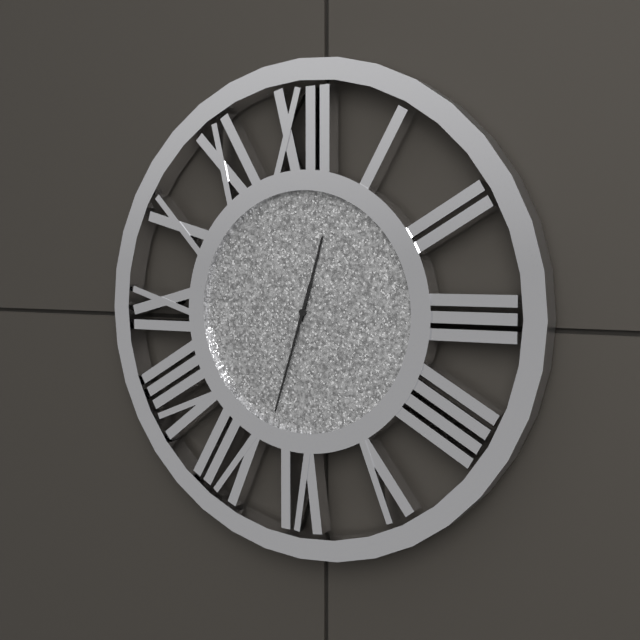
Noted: {"hour": 12, "minute": 33}
